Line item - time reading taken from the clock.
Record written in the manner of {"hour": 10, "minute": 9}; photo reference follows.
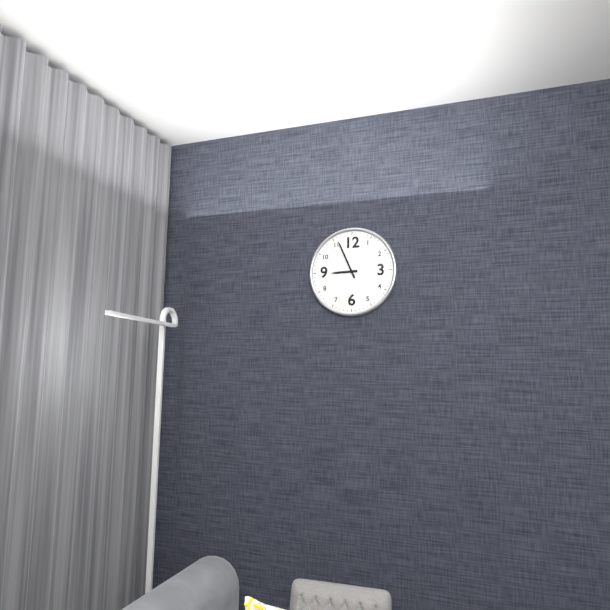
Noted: {"hour": 8, "minute": 56}
